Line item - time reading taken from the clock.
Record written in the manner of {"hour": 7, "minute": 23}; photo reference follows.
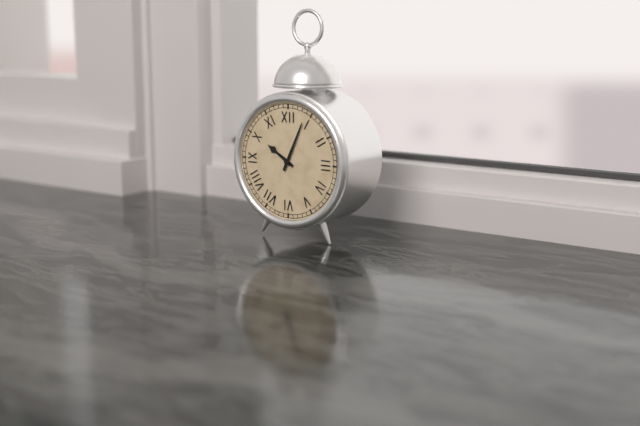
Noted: {"hour": 10, "minute": 4}
